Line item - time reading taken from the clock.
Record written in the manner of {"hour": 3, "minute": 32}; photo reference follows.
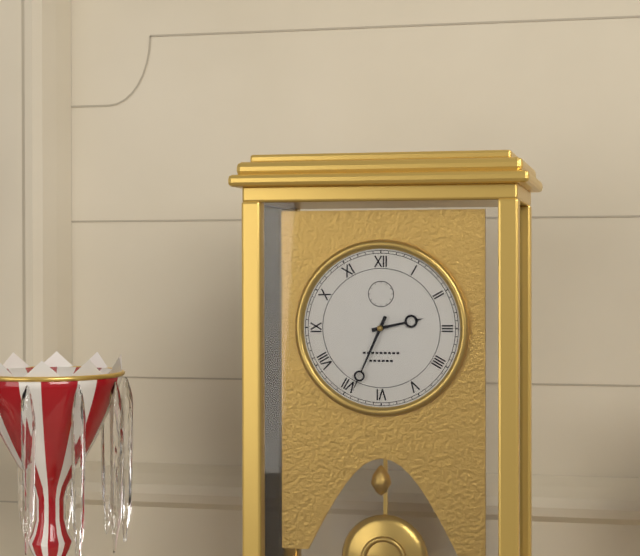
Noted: {"hour": 2, "minute": 34}
